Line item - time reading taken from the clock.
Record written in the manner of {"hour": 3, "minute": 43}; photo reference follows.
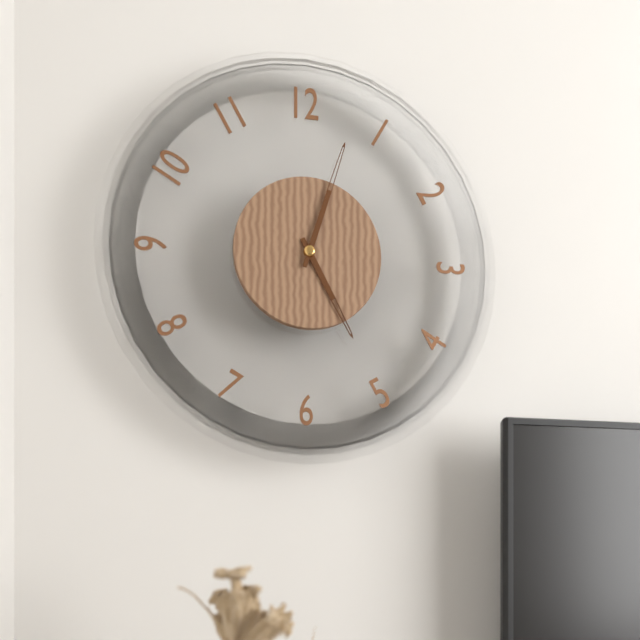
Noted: {"hour": 5, "minute": 3}
